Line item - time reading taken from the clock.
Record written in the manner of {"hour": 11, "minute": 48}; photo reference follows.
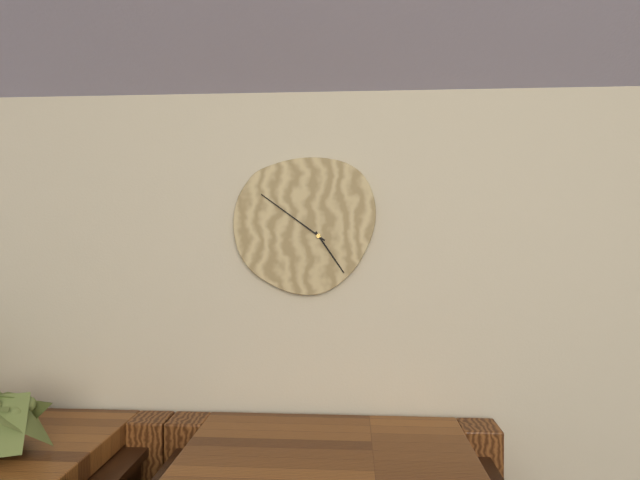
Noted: {"hour": 4, "minute": 51}
